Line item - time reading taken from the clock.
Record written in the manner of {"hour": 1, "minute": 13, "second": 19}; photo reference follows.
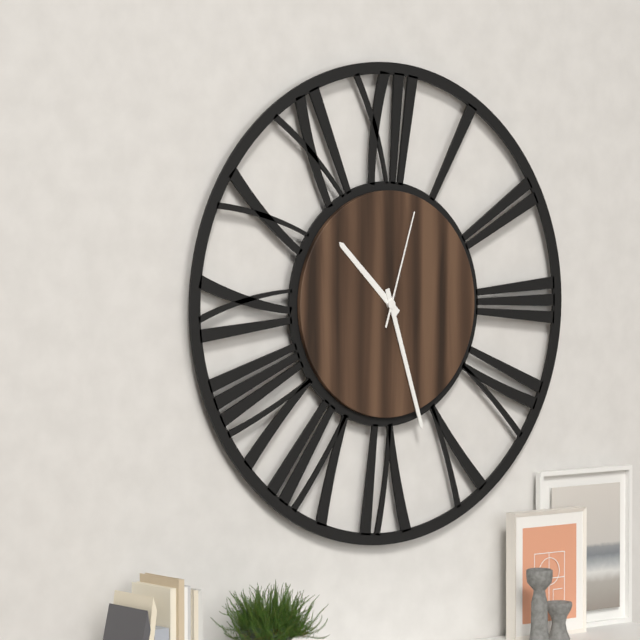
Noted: {"hour": 10, "minute": 27, "second": 3}
